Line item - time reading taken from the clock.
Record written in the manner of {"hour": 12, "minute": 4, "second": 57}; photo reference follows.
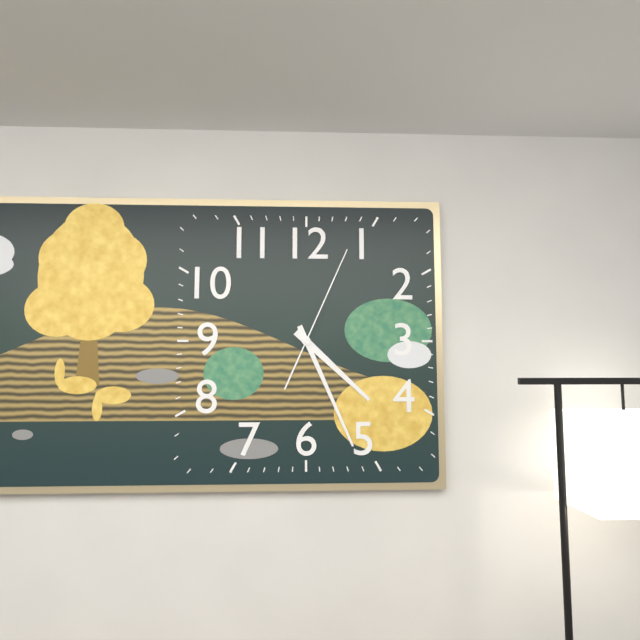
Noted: {"hour": 4, "minute": 26, "second": 4}
